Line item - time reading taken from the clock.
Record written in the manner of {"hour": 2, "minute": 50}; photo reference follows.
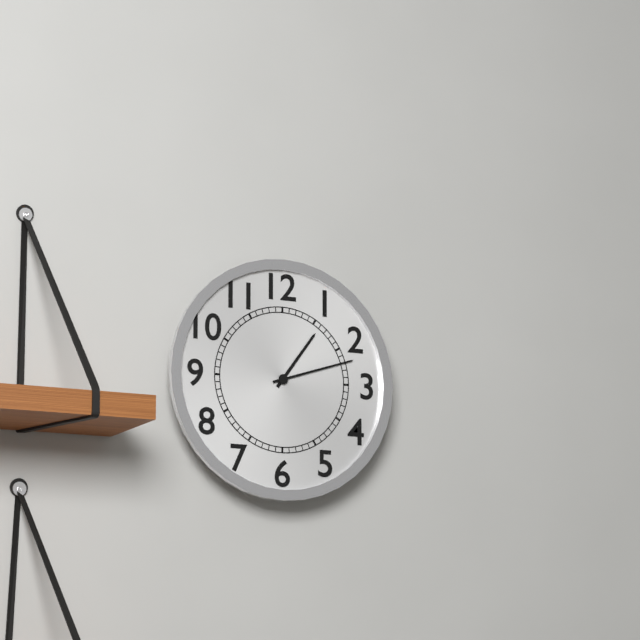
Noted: {"hour": 1, "minute": 12}
